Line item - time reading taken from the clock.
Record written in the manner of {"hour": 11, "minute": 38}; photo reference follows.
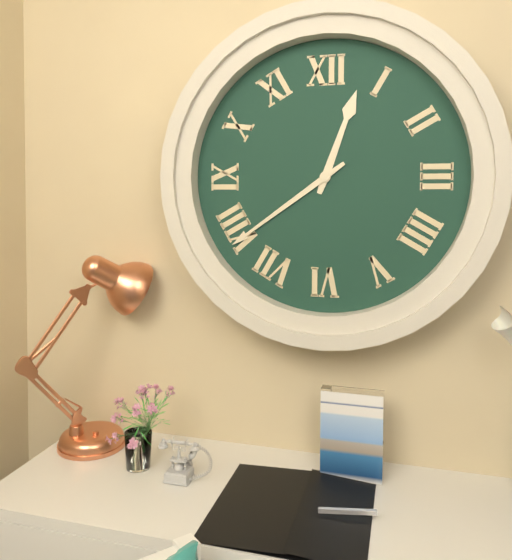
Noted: {"hour": 12, "minute": 39}
